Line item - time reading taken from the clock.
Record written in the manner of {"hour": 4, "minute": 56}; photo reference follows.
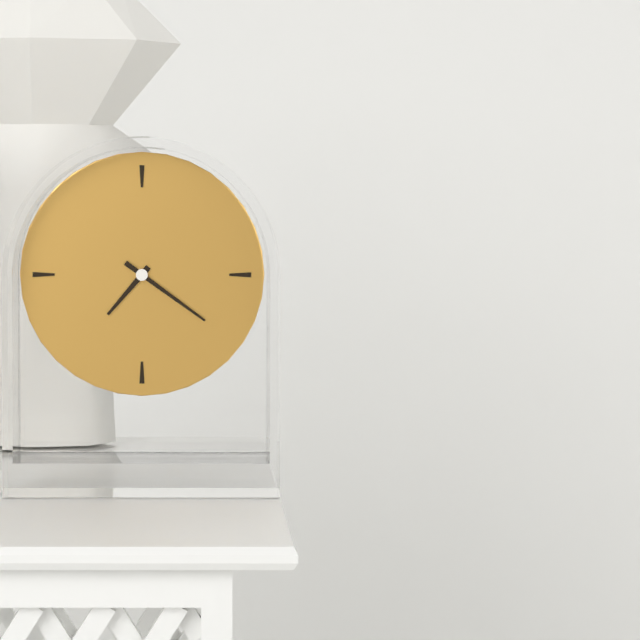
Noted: {"hour": 7, "minute": 21}
